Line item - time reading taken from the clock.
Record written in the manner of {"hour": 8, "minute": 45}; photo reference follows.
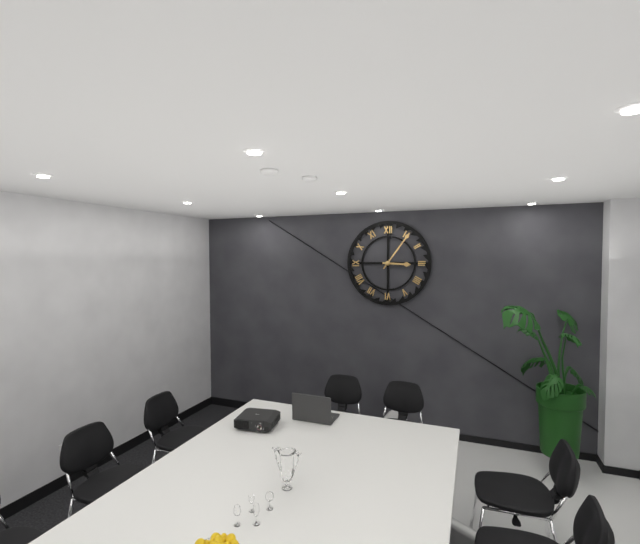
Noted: {"hour": 3, "minute": 6}
